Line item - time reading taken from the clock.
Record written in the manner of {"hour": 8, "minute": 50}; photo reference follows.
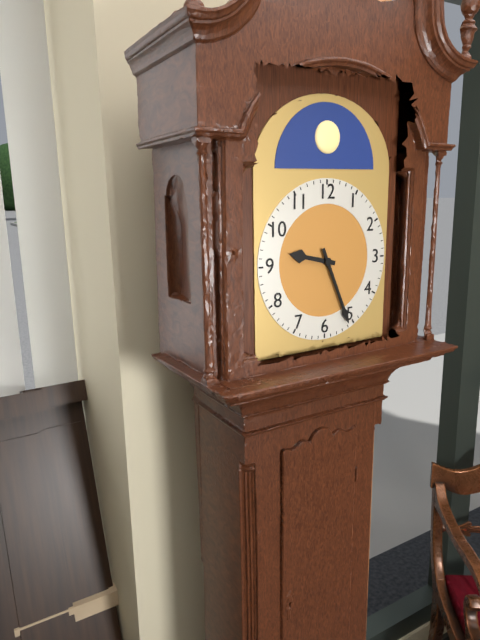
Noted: {"hour": 9, "minute": 26}
